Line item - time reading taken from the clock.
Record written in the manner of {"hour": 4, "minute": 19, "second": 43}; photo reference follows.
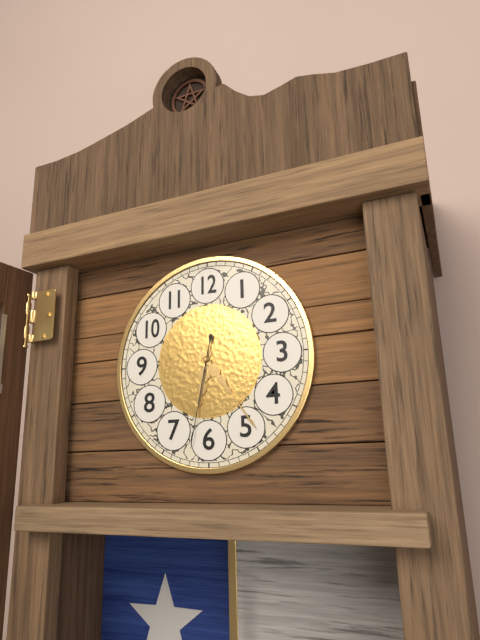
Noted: {"hour": 6, "minute": 24, "second": 32}
